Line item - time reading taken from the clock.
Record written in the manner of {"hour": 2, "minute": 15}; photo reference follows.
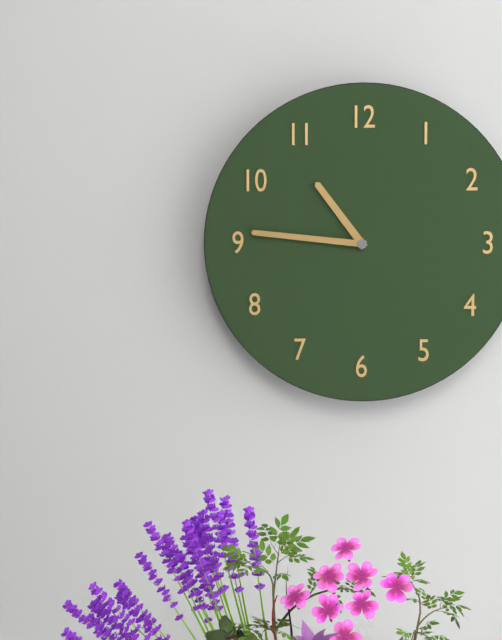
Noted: {"hour": 10, "minute": 46}
